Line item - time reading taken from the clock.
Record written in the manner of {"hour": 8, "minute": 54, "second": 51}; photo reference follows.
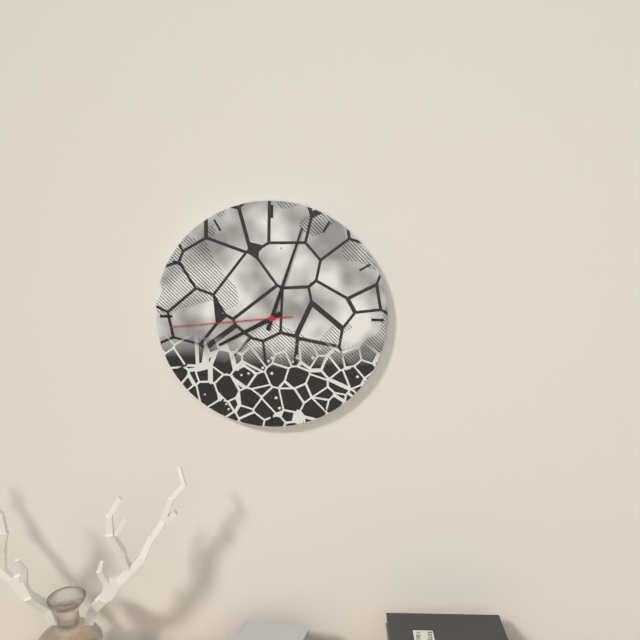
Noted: {"hour": 8, "minute": 3, "second": 44}
